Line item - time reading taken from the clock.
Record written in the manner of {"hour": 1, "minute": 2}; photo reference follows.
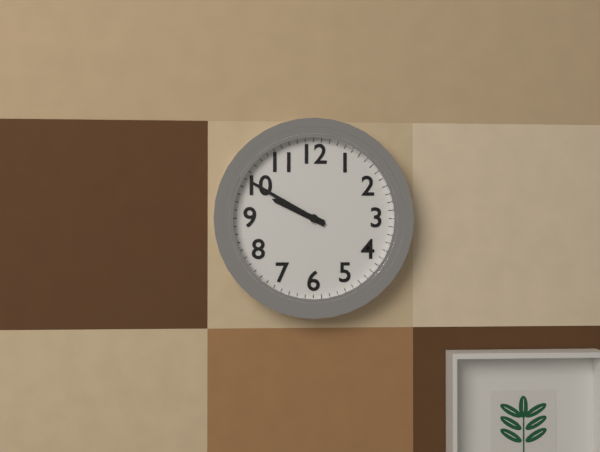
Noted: {"hour": 9, "minute": 50}
